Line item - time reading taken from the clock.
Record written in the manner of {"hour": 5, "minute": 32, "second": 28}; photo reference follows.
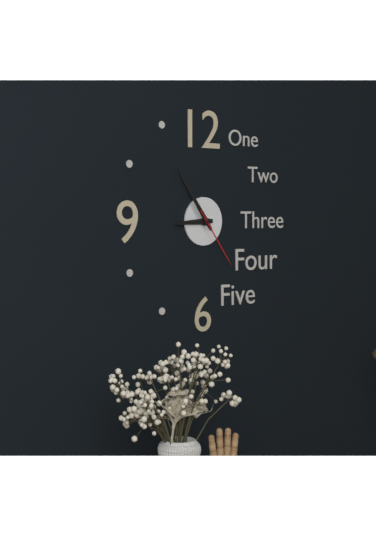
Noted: {"hour": 8, "minute": 54, "second": 24}
